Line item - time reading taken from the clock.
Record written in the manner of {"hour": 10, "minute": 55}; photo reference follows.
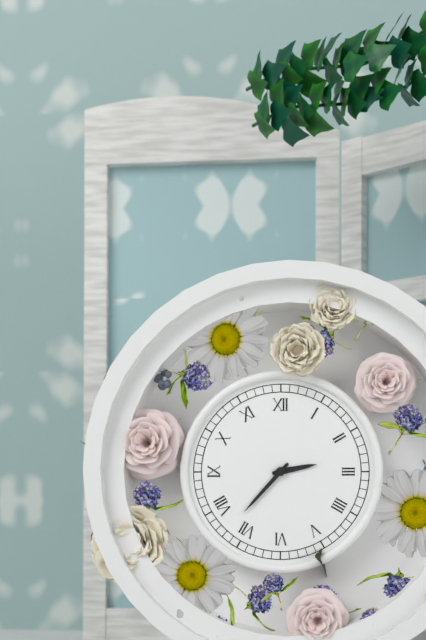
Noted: {"hour": 2, "minute": 37}
